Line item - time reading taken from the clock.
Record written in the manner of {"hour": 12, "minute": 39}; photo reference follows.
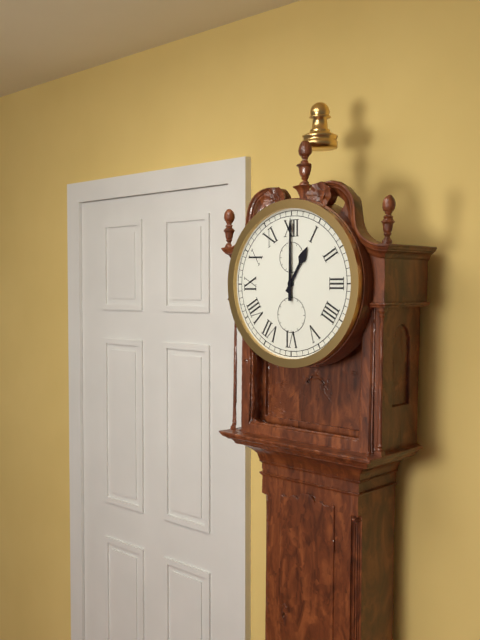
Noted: {"hour": 1, "minute": 0}
